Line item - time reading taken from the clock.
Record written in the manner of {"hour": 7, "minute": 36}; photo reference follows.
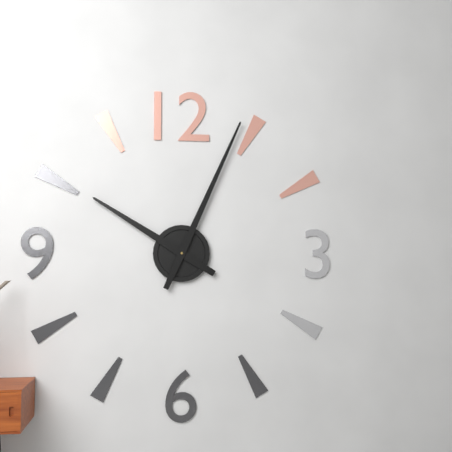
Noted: {"hour": 10, "minute": 4}
